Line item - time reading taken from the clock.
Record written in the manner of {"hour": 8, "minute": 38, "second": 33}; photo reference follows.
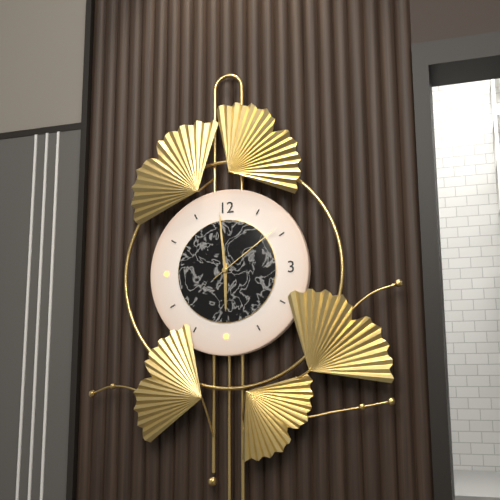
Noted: {"hour": 5, "minute": 59, "second": 9}
